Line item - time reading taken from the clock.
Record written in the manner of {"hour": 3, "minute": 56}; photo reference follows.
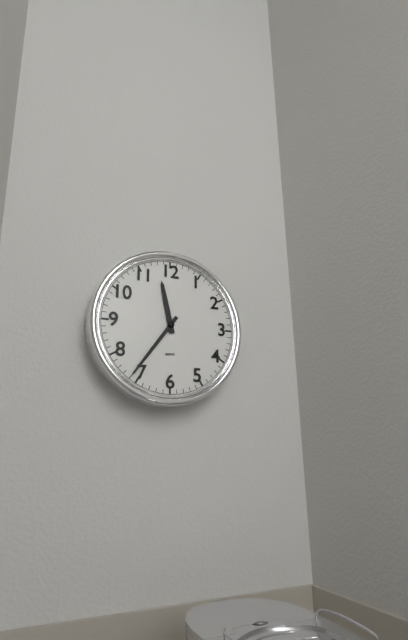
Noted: {"hour": 11, "minute": 36}
